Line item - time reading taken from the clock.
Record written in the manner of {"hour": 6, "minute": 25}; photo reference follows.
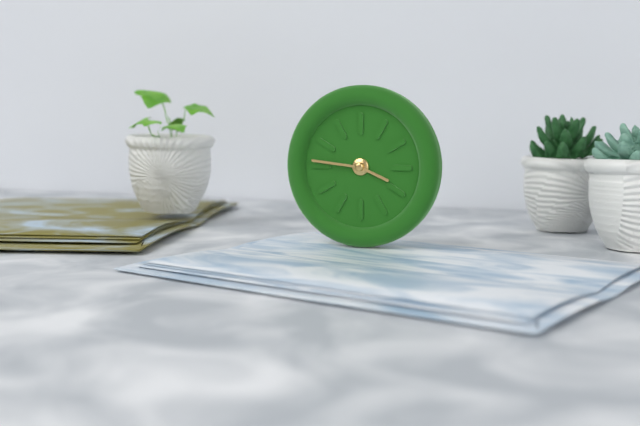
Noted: {"hour": 3, "minute": 46}
